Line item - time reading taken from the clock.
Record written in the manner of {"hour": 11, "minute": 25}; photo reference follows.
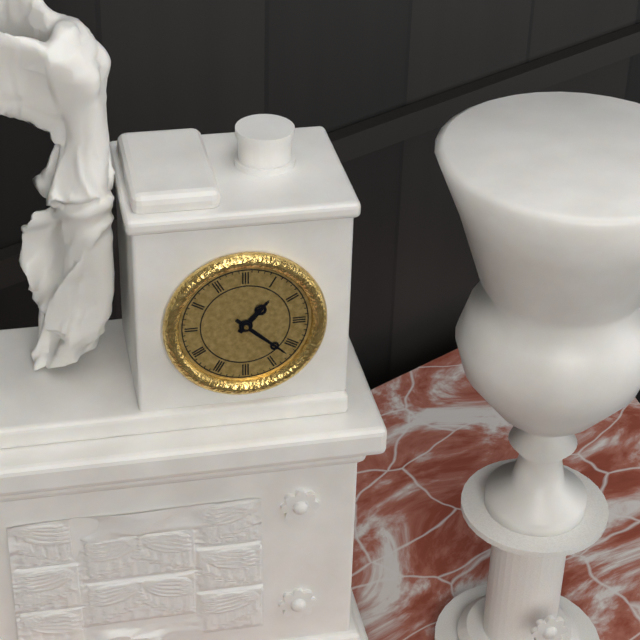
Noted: {"hour": 1, "minute": 22}
